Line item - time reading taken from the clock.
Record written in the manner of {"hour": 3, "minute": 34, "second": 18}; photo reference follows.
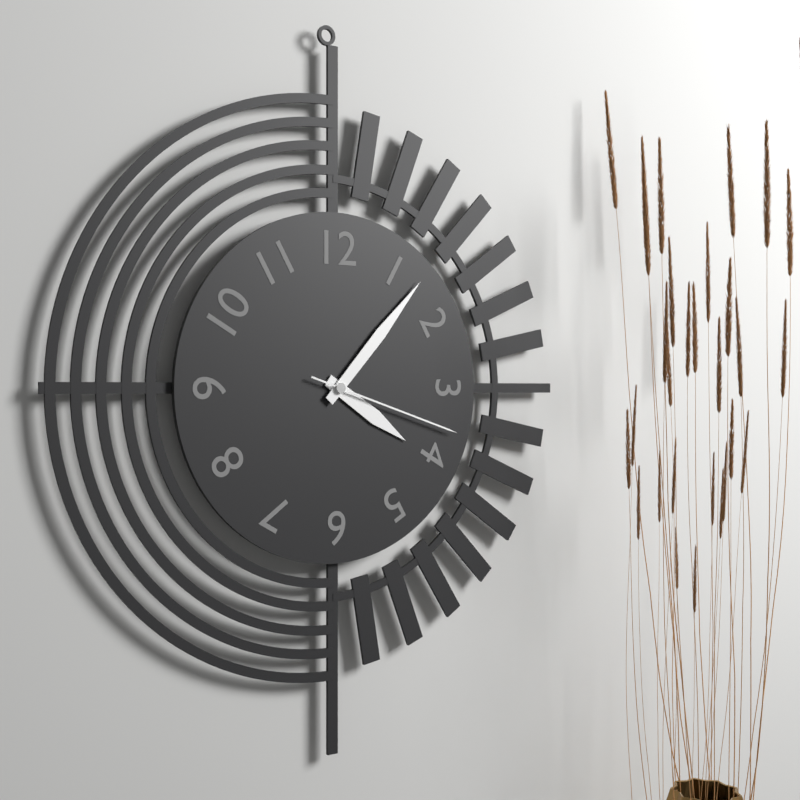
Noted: {"hour": 4, "minute": 7, "second": 18}
